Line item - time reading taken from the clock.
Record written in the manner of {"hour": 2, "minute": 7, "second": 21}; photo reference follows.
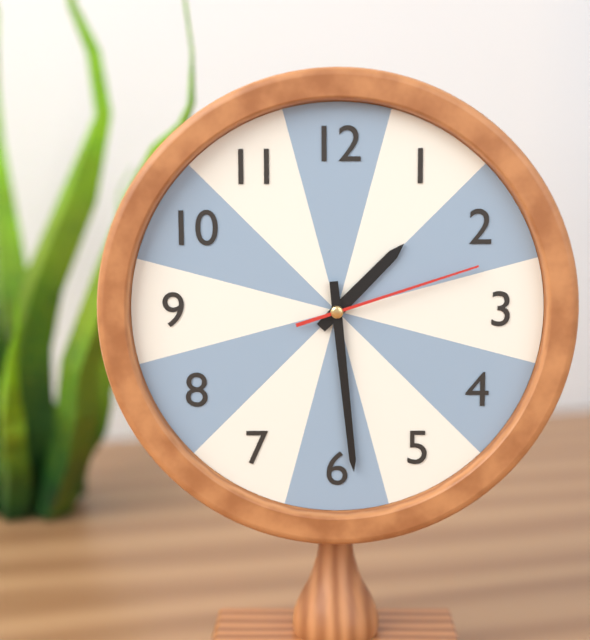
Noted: {"hour": 1, "minute": 29, "second": 12}
